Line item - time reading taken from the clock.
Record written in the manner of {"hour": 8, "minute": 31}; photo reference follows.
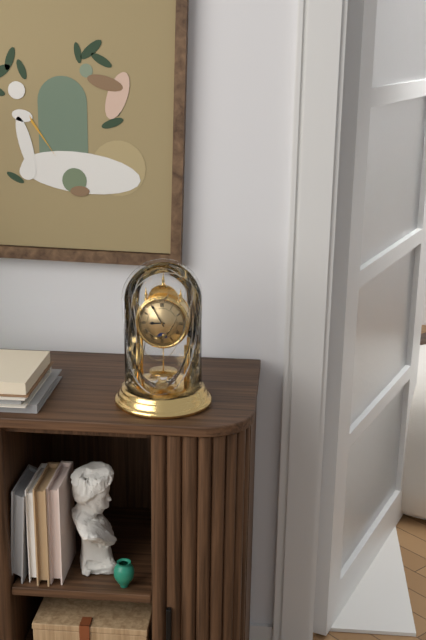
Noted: {"hour": 8, "minute": 55}
